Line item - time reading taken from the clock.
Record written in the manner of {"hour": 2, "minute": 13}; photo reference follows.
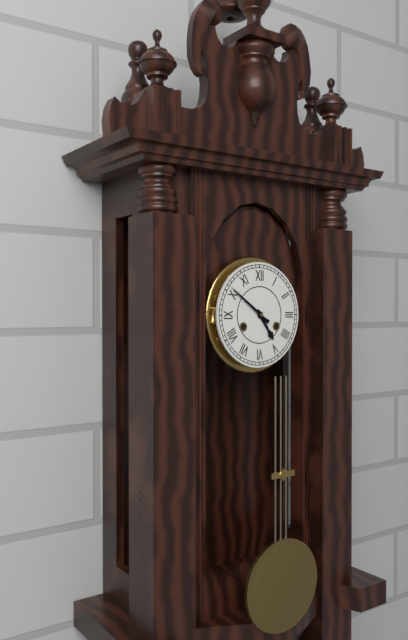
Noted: {"hour": 4, "minute": 51}
